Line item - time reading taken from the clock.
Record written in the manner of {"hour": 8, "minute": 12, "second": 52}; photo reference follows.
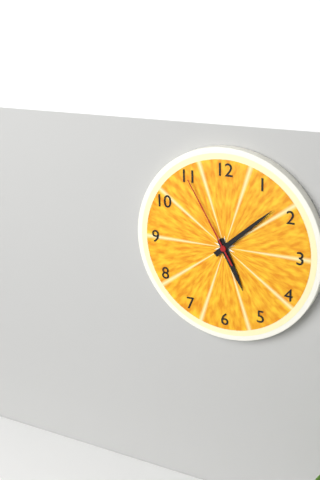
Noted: {"hour": 5, "minute": 8, "second": 55}
